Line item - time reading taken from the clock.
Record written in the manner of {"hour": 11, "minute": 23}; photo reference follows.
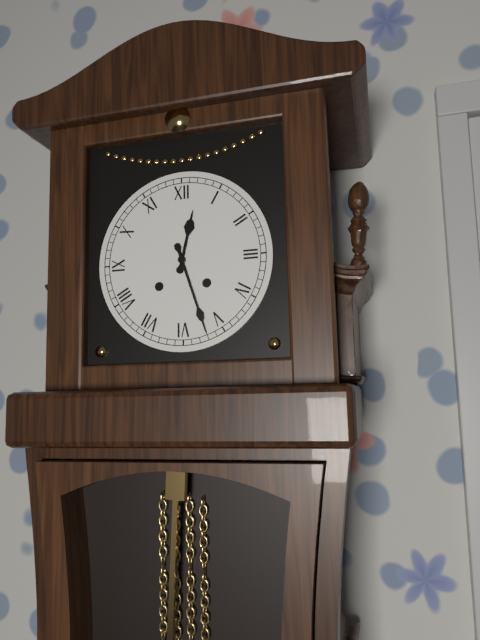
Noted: {"hour": 12, "minute": 27}
